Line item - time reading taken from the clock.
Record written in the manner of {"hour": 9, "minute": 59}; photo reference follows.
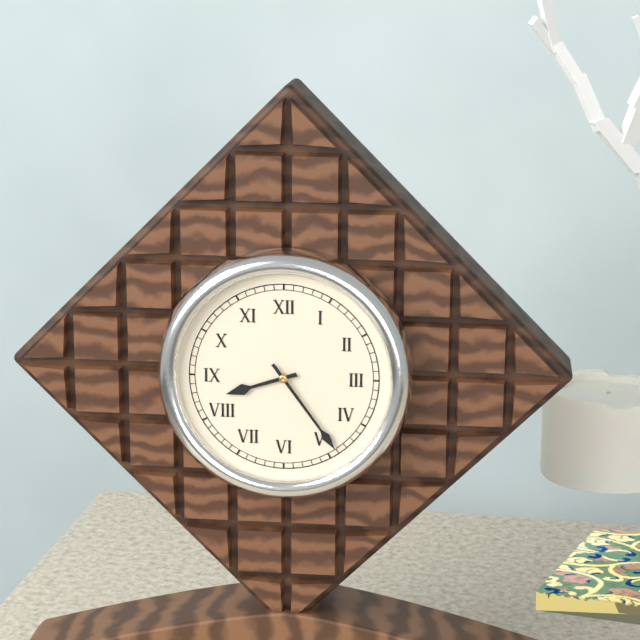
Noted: {"hour": 8, "minute": 24}
